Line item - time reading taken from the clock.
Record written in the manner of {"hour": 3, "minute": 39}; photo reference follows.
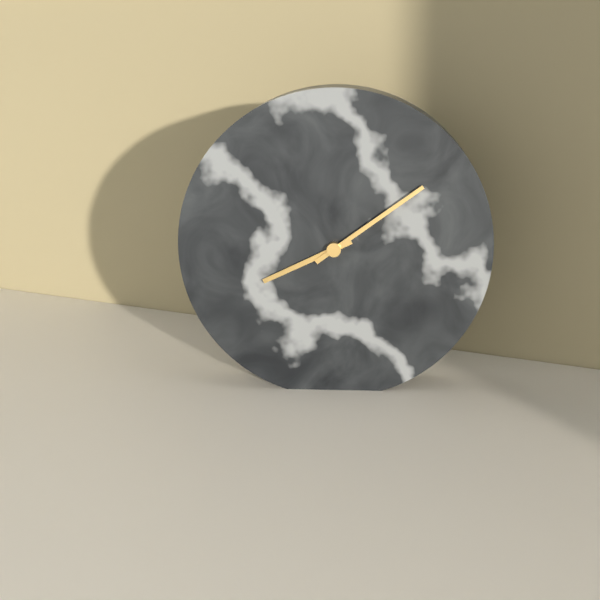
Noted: {"hour": 8, "minute": 9}
